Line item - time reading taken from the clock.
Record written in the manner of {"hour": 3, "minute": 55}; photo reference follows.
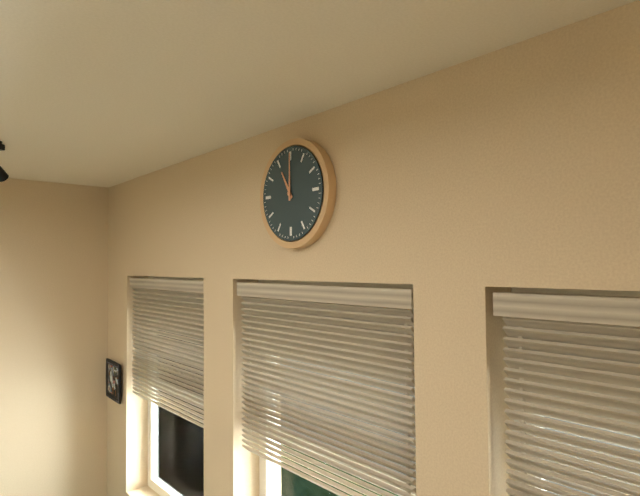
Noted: {"hour": 11, "minute": 0}
